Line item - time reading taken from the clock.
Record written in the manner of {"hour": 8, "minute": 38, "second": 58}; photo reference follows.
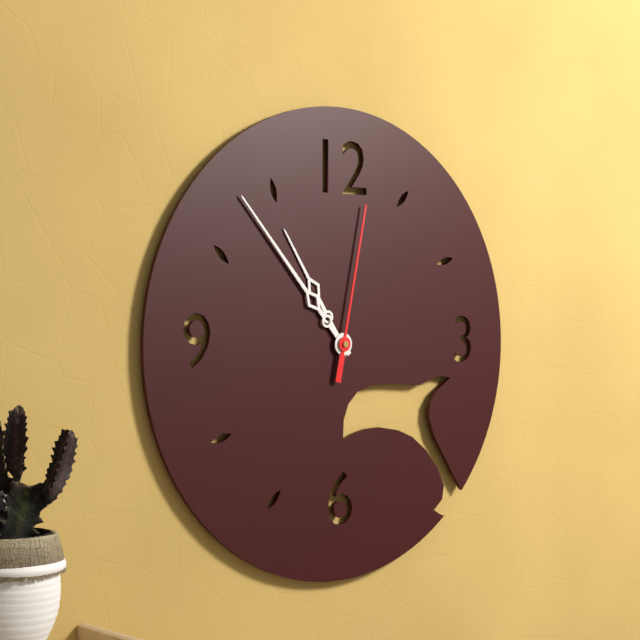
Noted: {"hour": 10, "minute": 53, "second": 2}
